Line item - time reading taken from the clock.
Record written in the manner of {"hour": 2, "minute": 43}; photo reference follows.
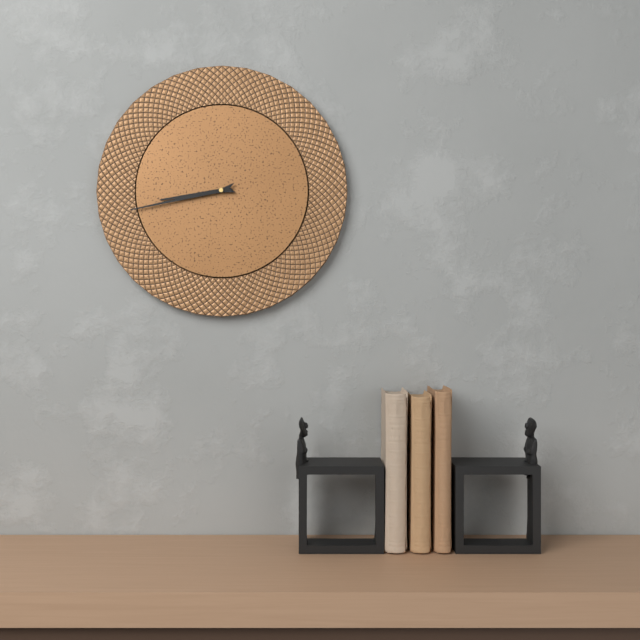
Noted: {"hour": 8, "minute": 43}
